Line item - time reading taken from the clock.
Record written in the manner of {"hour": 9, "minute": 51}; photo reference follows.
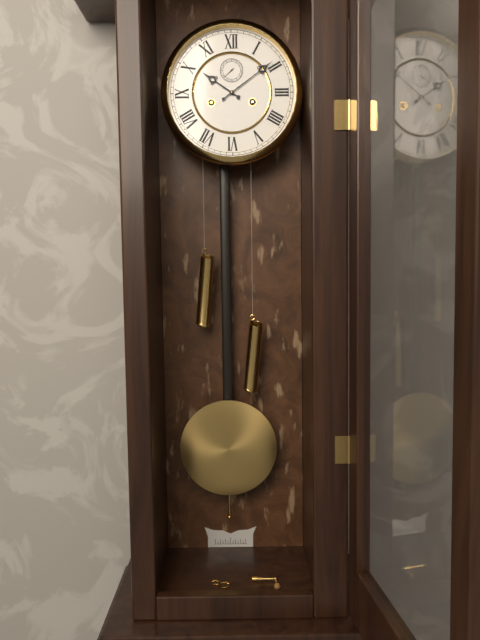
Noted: {"hour": 10, "minute": 9}
